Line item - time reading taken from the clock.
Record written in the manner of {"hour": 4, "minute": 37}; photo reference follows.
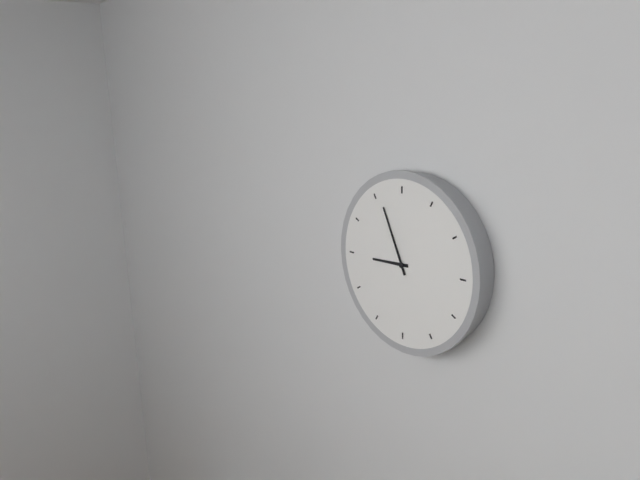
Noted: {"hour": 8, "minute": 56}
